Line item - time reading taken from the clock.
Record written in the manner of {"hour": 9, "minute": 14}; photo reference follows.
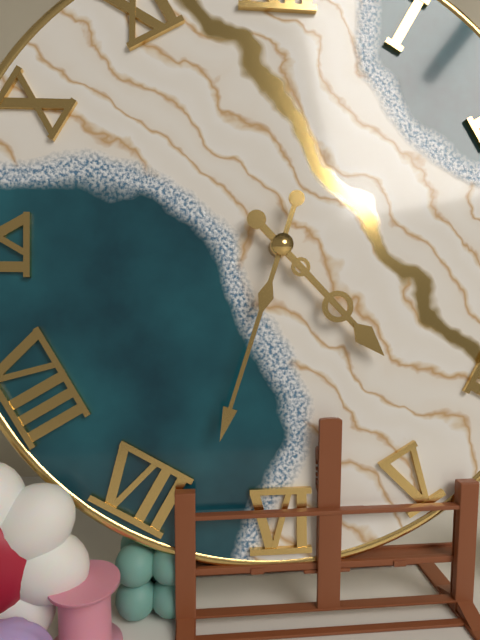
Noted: {"hour": 4, "minute": 33}
